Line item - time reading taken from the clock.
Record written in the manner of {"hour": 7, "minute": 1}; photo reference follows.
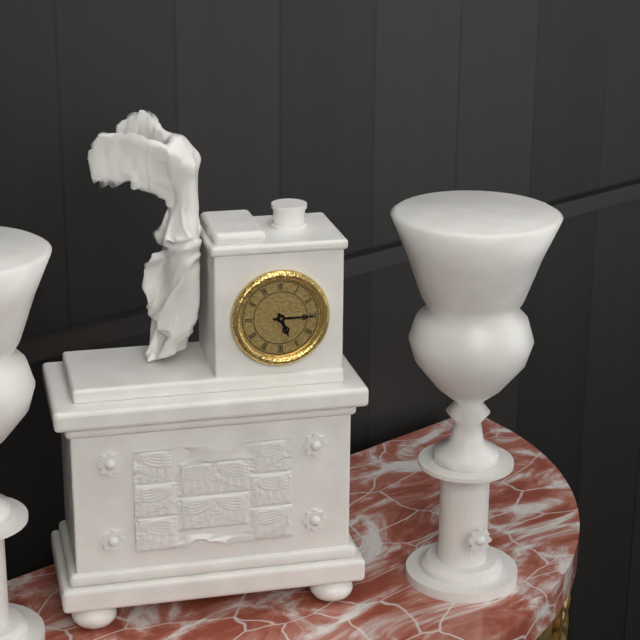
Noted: {"hour": 5, "minute": 15}
